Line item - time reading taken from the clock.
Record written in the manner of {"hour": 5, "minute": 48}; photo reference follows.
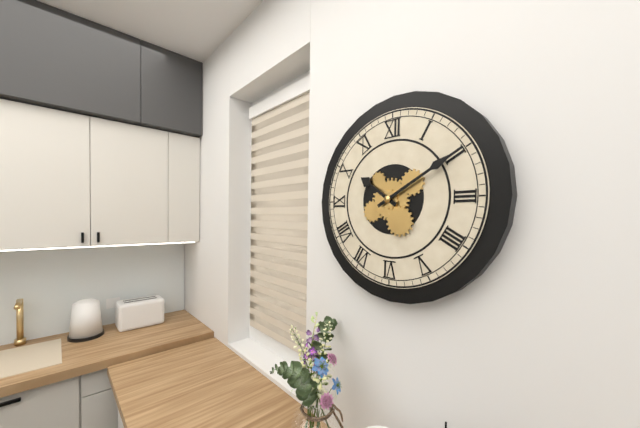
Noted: {"hour": 10, "minute": 10}
